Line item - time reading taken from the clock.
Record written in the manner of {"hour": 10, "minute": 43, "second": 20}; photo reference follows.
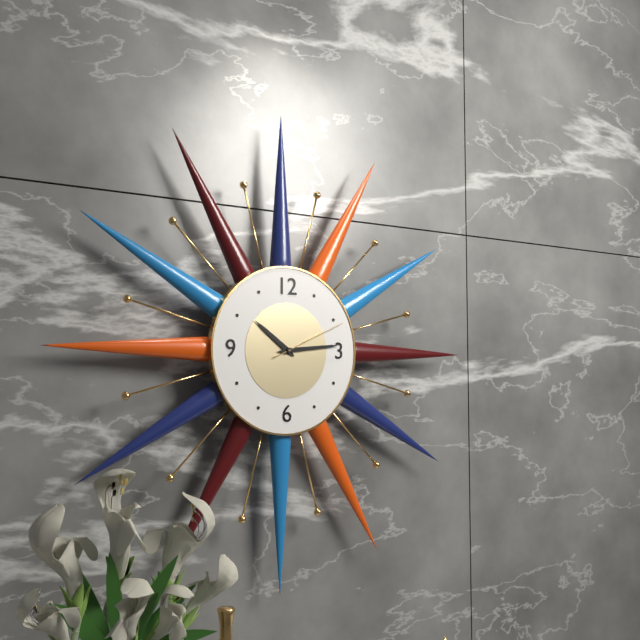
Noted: {"hour": 10, "minute": 14, "second": 11}
